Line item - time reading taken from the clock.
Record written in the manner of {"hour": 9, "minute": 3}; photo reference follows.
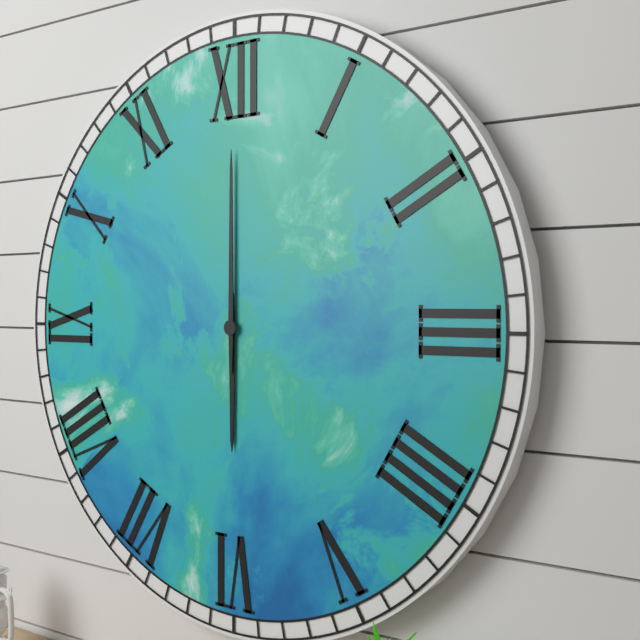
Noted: {"hour": 6, "minute": 0}
